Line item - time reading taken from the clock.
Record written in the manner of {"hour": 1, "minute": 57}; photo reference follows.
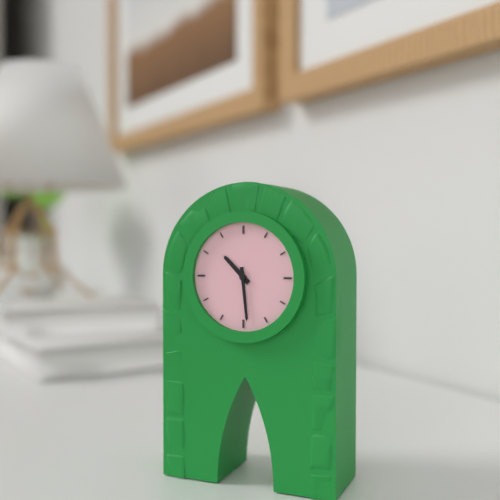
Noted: {"hour": 10, "minute": 29}
